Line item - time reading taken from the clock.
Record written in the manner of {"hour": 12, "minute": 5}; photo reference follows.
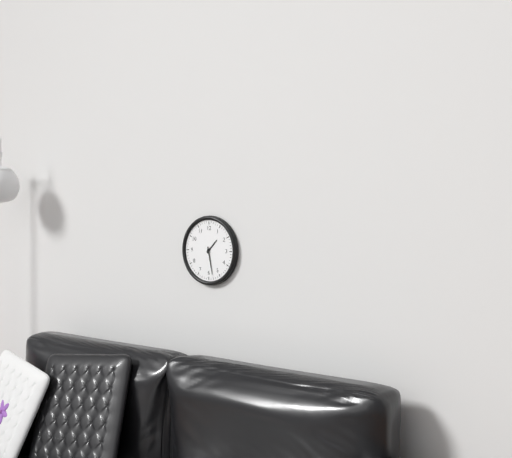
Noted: {"hour": 1, "minute": 28}
